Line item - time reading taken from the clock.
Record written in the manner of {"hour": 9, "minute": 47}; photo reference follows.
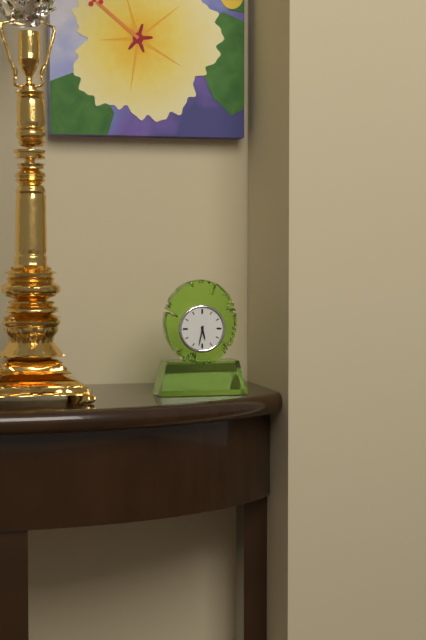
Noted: {"hour": 5, "minute": 32}
